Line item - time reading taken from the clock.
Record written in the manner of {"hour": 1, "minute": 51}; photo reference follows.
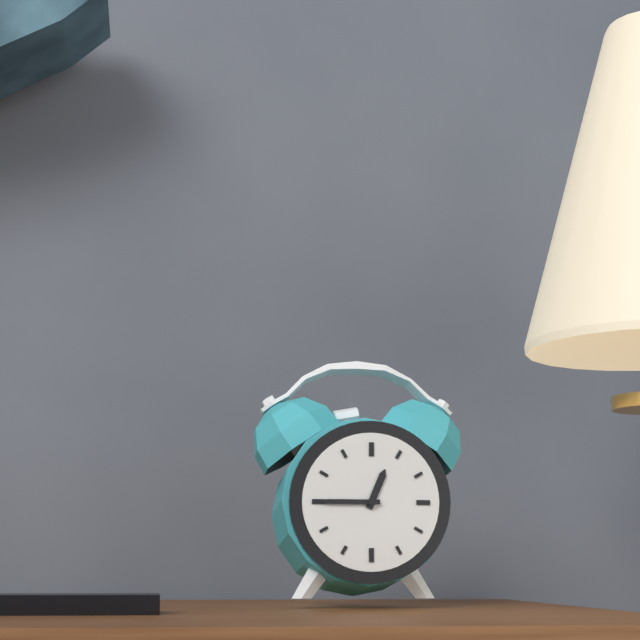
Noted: {"hour": 12, "minute": 45}
